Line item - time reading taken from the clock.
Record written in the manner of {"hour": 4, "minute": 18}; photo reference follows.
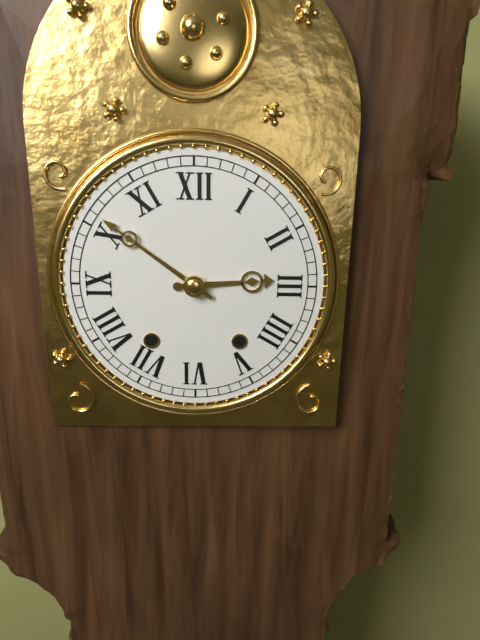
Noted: {"hour": 2, "minute": 51}
